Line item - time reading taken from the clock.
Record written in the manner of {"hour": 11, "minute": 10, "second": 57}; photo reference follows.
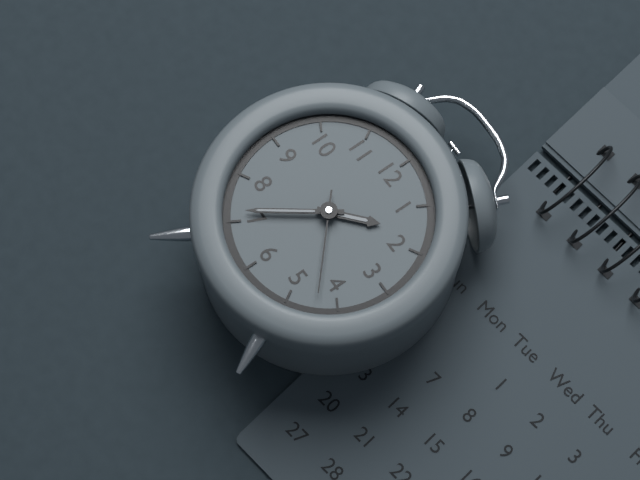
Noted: {"hour": 1, "minute": 36, "second": 22}
